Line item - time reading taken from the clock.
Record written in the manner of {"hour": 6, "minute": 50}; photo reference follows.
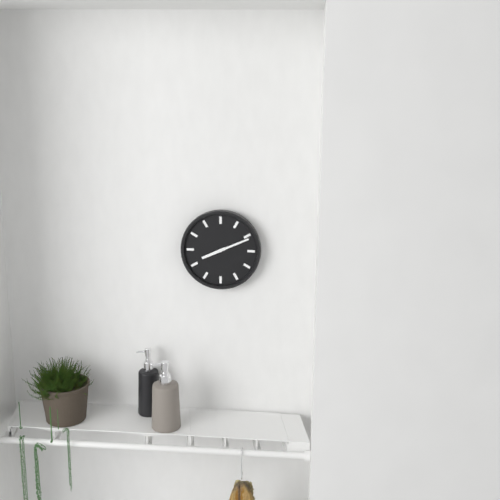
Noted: {"hour": 8, "minute": 11}
